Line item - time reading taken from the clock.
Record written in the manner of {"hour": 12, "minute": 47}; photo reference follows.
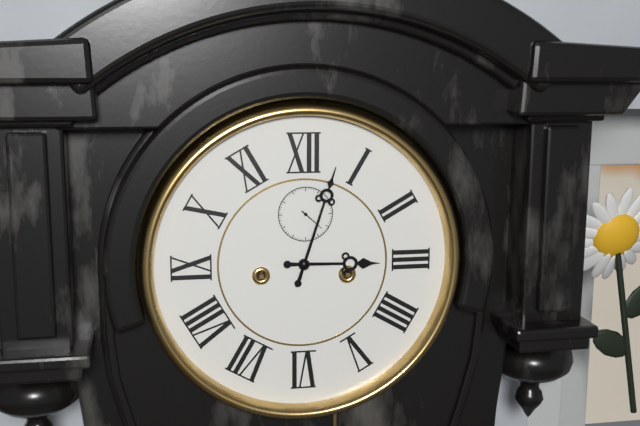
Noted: {"hour": 3, "minute": 3}
